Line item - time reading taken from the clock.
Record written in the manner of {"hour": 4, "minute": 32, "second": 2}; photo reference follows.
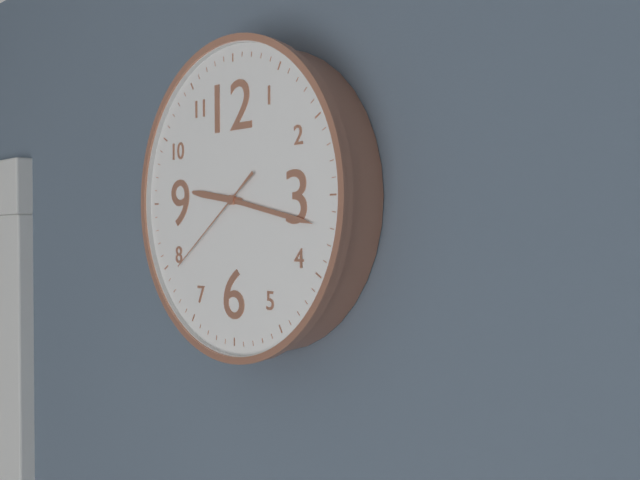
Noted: {"hour": 9, "minute": 17, "second": 39}
